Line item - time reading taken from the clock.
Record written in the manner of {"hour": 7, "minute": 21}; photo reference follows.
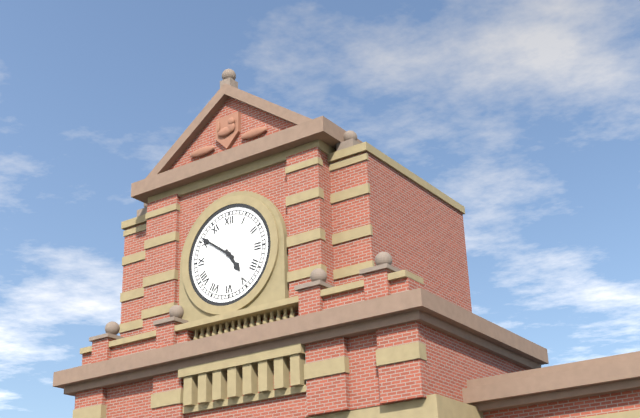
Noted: {"hour": 4, "minute": 51}
